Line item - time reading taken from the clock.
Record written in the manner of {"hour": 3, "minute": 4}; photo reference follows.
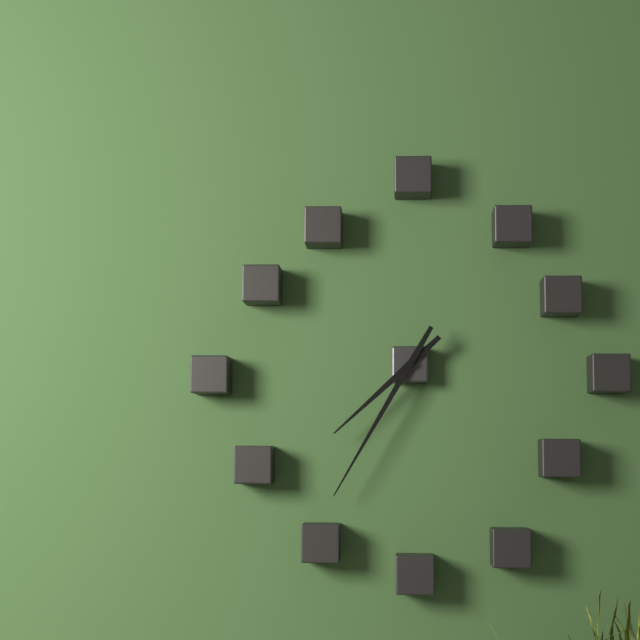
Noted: {"hour": 7, "minute": 35}
